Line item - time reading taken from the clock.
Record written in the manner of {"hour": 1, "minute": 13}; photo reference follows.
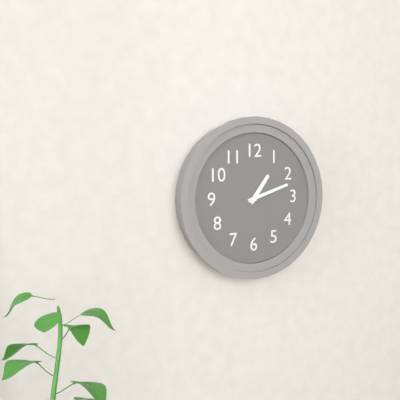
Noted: {"hour": 1, "minute": 12}
